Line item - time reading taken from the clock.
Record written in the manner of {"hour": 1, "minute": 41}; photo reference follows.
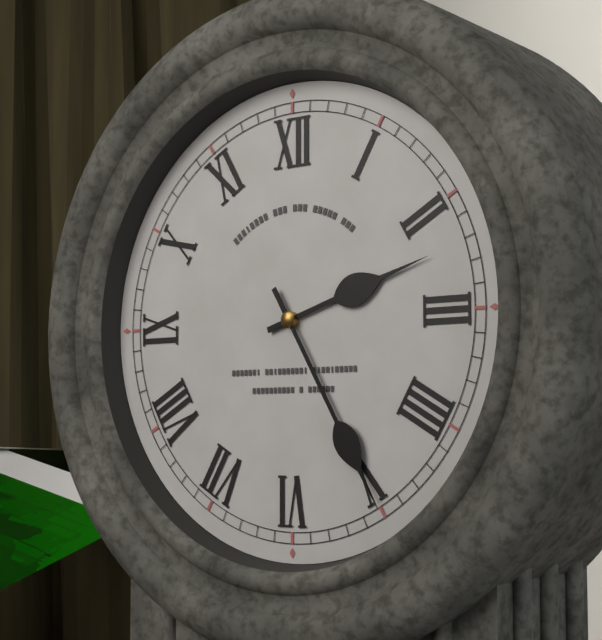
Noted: {"hour": 2, "minute": 25}
